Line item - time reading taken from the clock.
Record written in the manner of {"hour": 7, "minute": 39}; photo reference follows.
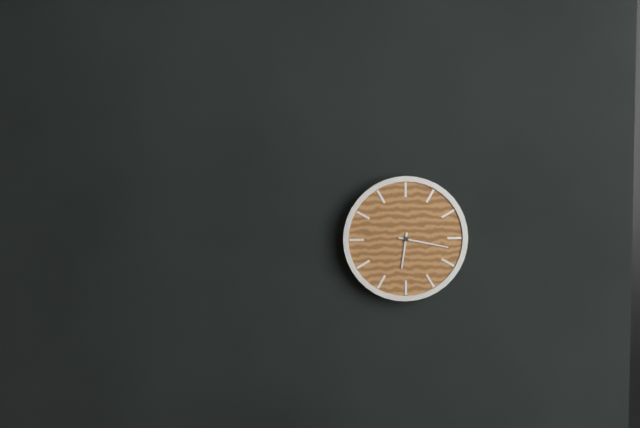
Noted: {"hour": 6, "minute": 17}
